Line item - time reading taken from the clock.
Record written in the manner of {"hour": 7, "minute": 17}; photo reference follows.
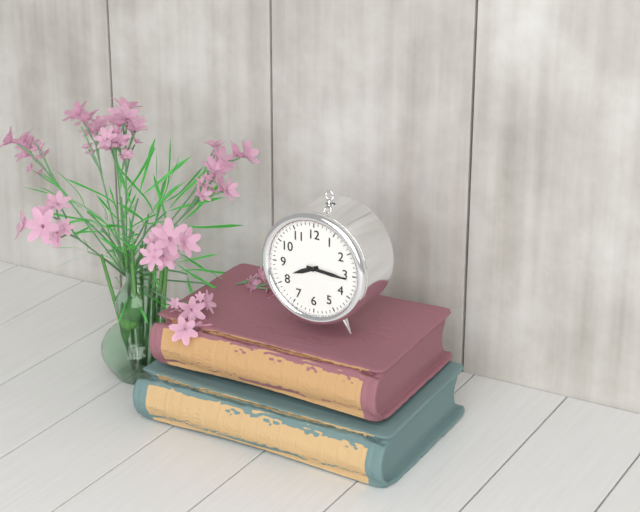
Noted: {"hour": 8, "minute": 16}
